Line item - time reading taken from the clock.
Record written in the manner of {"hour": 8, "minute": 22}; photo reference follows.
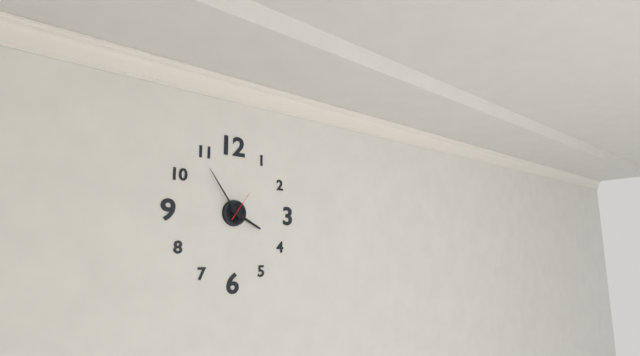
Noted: {"hour": 3, "minute": 54}
